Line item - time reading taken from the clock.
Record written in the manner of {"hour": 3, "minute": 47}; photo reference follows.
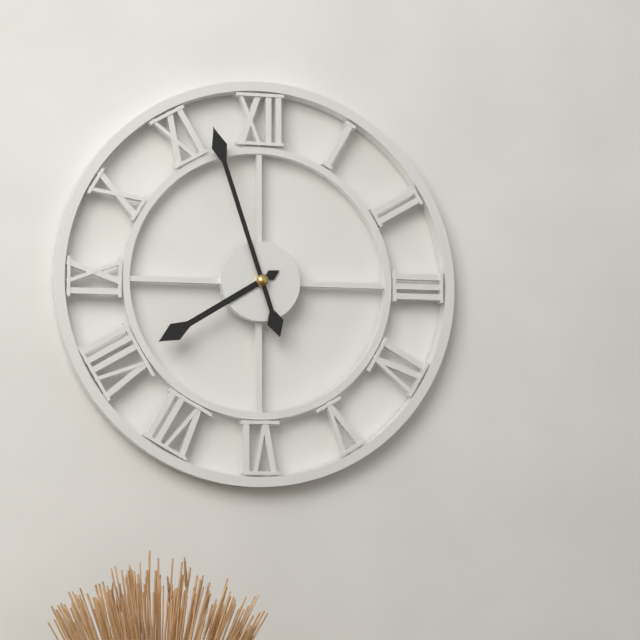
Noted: {"hour": 7, "minute": 57}
